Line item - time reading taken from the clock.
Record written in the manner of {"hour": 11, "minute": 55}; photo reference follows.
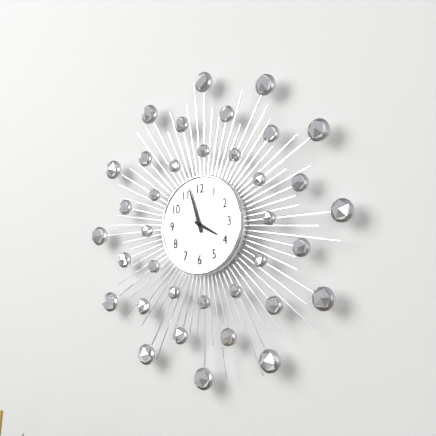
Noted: {"hour": 3, "minute": 57}
